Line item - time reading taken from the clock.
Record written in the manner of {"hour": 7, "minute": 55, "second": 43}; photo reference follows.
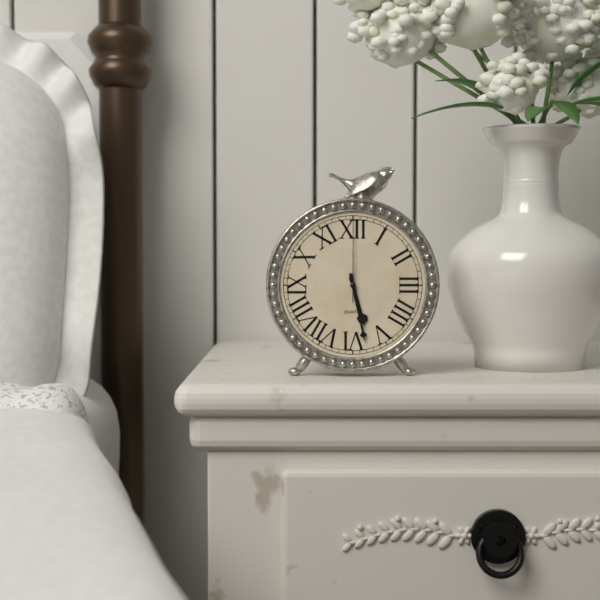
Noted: {"hour": 5, "minute": 28, "second": 0}
